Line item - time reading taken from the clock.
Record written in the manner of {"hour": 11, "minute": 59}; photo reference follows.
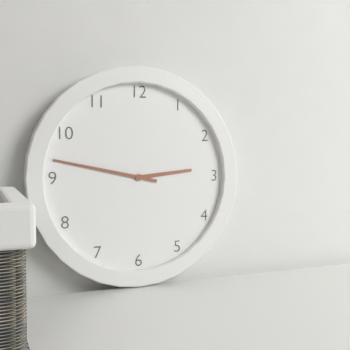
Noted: {"hour": 2, "minute": 47}
